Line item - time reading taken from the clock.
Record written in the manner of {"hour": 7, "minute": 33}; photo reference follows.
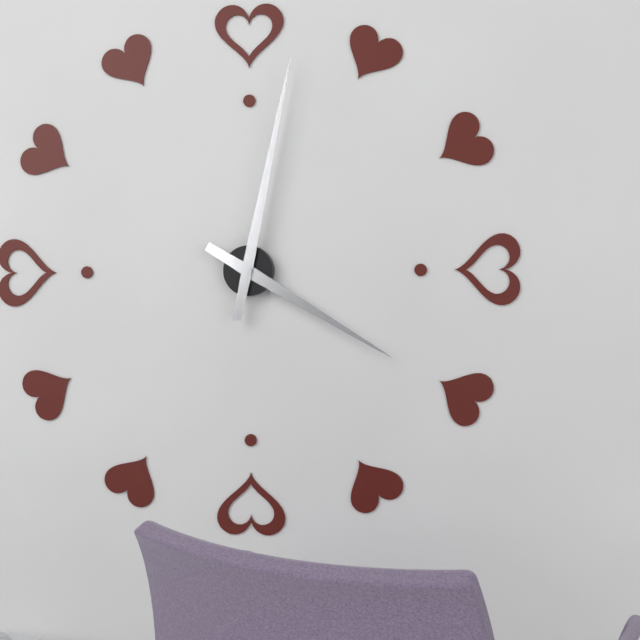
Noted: {"hour": 4, "minute": 2}
